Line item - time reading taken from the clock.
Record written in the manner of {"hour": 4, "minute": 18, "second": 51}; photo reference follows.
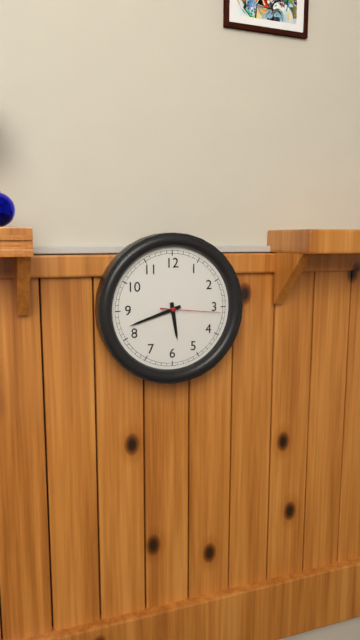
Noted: {"hour": 5, "minute": 42, "second": 16}
